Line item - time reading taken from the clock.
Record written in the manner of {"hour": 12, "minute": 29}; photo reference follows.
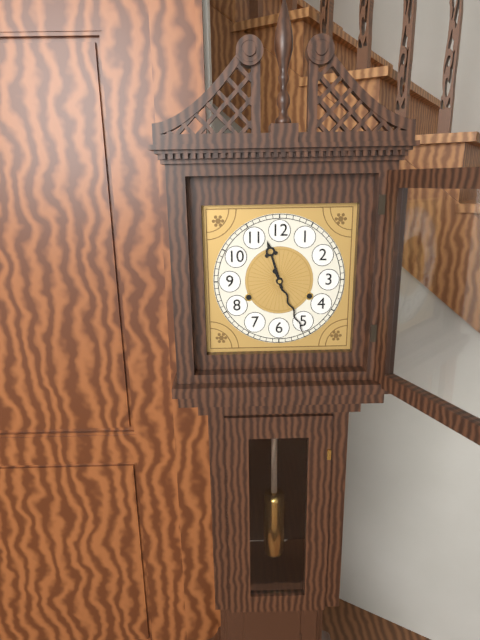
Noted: {"hour": 11, "minute": 26}
